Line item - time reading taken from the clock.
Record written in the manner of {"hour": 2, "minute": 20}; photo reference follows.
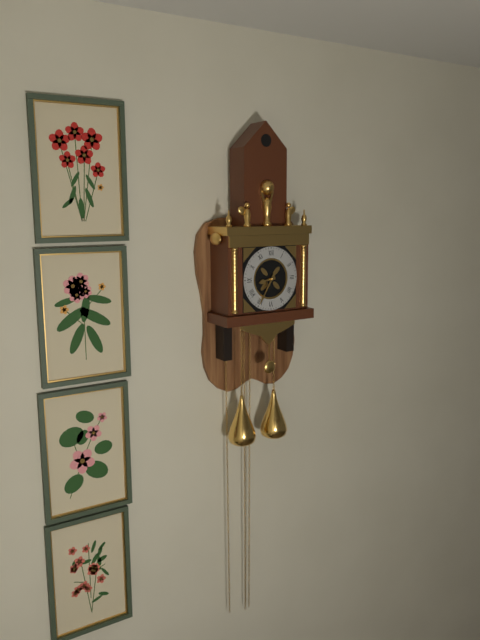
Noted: {"hour": 8, "minute": 35}
